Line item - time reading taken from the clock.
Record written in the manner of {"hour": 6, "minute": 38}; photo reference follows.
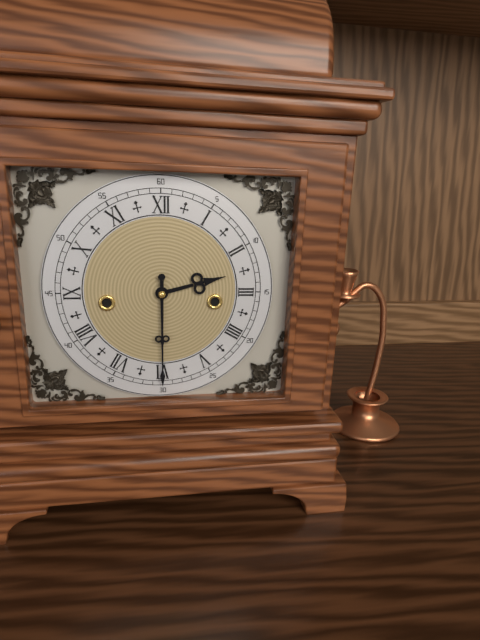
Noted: {"hour": 2, "minute": 30}
